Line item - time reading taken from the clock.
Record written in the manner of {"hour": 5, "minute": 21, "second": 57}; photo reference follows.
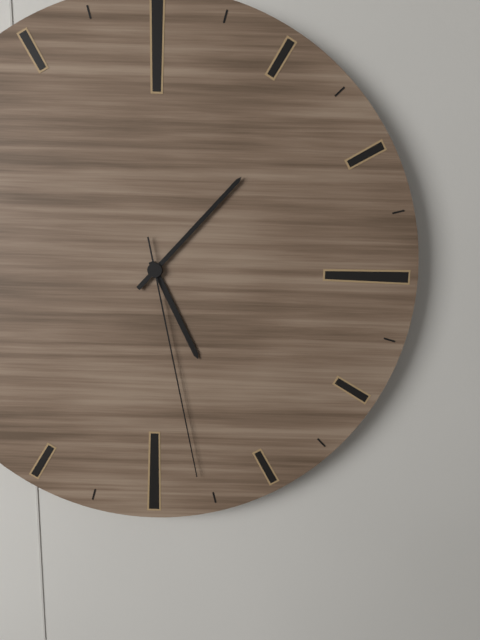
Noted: {"hour": 5, "minute": 7, "second": 28}
